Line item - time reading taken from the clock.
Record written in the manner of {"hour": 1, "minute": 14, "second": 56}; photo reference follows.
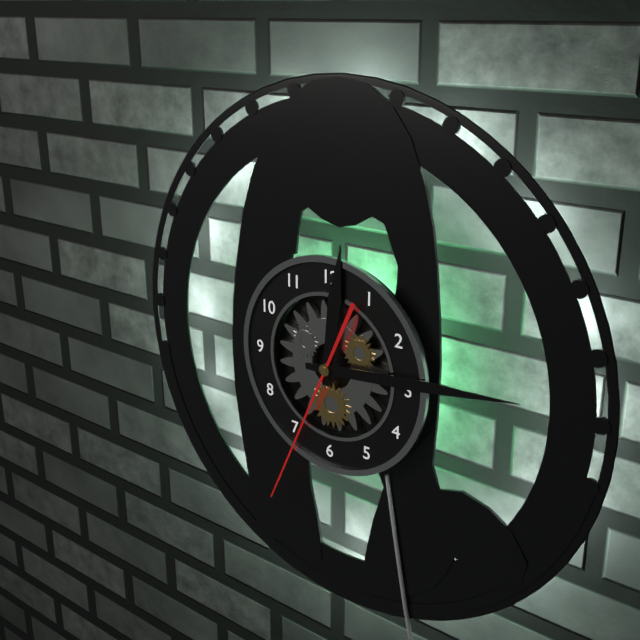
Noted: {"hour": 12, "minute": 14, "second": 34}
